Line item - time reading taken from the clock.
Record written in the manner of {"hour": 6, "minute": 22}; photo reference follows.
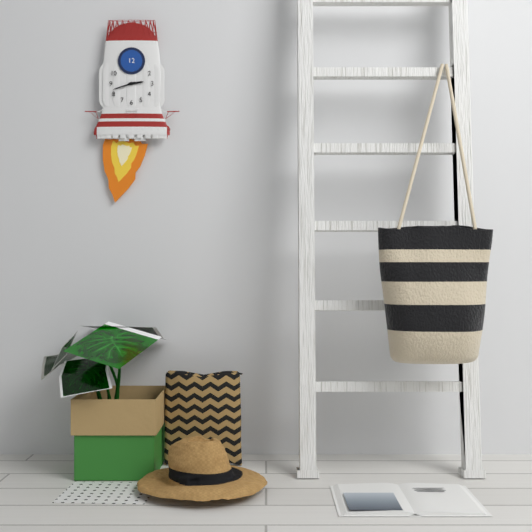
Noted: {"hour": 2, "minute": 42}
